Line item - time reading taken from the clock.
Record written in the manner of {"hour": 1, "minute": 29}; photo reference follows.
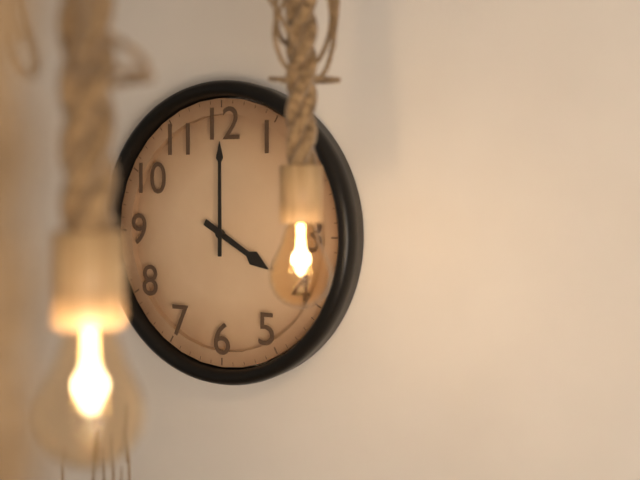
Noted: {"hour": 4, "minute": 0}
